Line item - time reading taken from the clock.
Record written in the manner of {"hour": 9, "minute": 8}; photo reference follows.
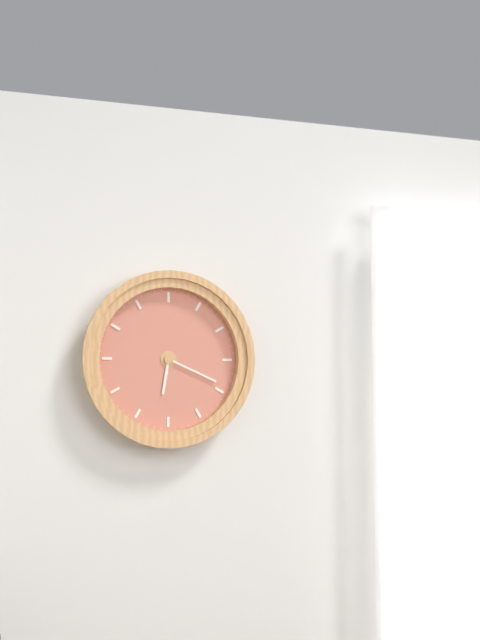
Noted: {"hour": 6, "minute": 19}
